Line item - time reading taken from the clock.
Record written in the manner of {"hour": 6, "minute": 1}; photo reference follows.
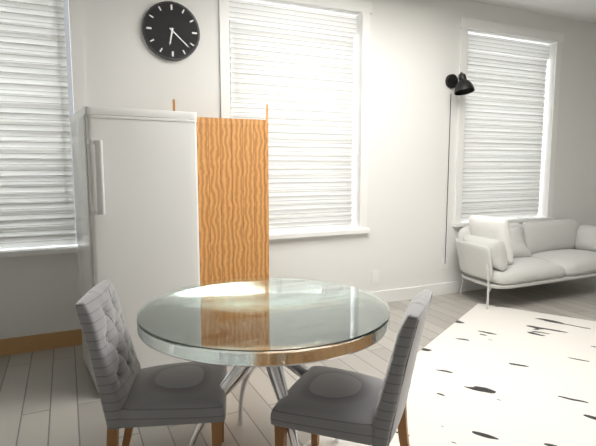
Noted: {"hour": 6, "minute": 22}
